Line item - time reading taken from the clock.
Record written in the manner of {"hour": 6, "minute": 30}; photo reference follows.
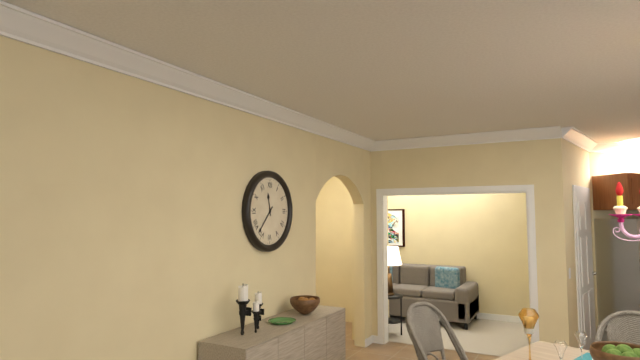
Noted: {"hour": 11, "minute": 37}
